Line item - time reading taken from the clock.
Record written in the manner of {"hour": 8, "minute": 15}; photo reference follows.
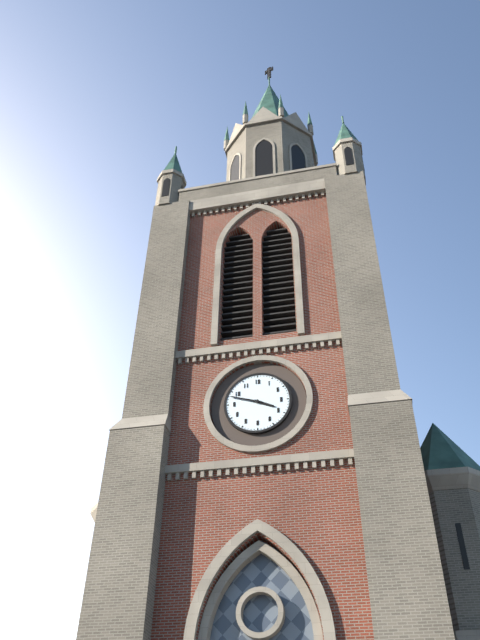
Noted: {"hour": 3, "minute": 48}
